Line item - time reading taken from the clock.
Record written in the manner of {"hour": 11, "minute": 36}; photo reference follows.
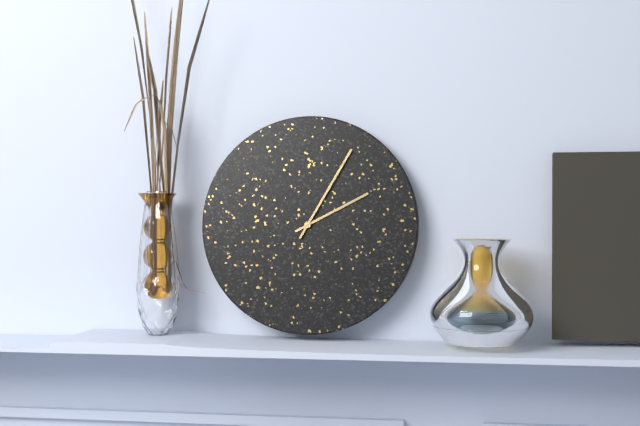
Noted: {"hour": 2, "minute": 5}
